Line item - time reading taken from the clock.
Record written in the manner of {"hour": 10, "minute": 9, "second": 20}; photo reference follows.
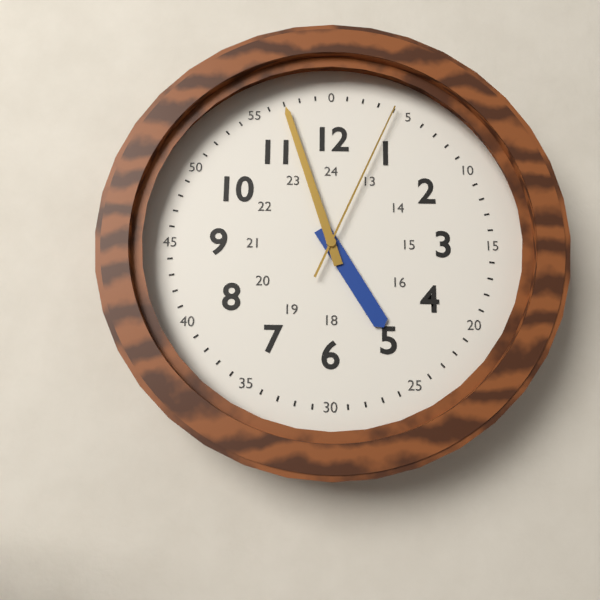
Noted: {"hour": 4, "minute": 57, "second": 4}
